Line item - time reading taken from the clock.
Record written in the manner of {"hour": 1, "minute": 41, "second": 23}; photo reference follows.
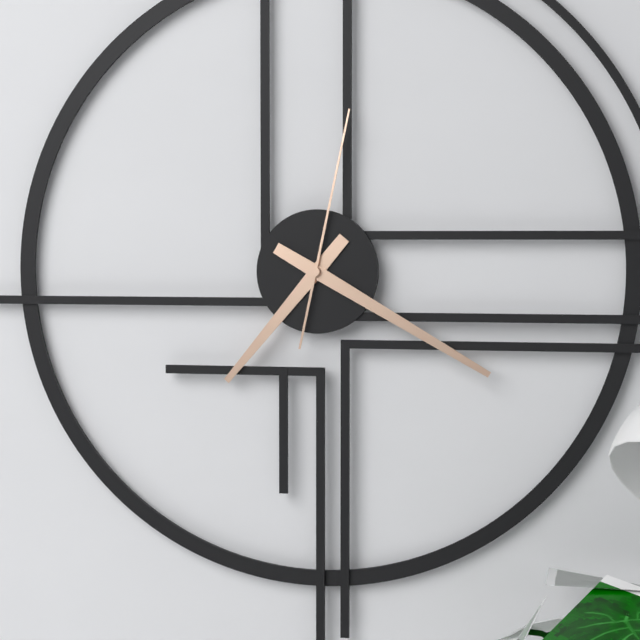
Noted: {"hour": 7, "minute": 20, "second": 2}
